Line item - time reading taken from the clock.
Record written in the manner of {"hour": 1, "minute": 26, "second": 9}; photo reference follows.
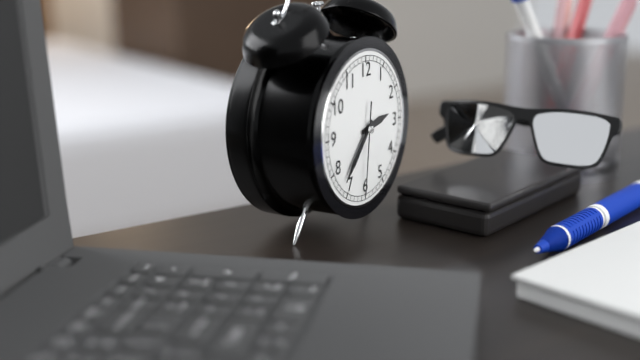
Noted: {"hour": 2, "minute": 37, "second": 31}
